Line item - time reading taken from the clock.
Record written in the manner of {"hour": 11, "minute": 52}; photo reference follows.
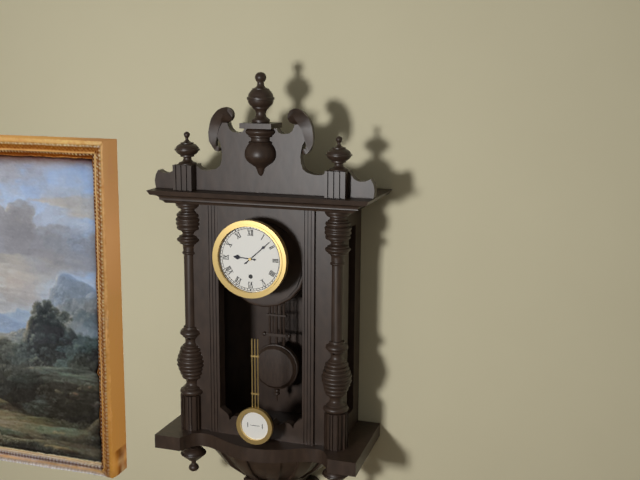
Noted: {"hour": 9, "minute": 8}
